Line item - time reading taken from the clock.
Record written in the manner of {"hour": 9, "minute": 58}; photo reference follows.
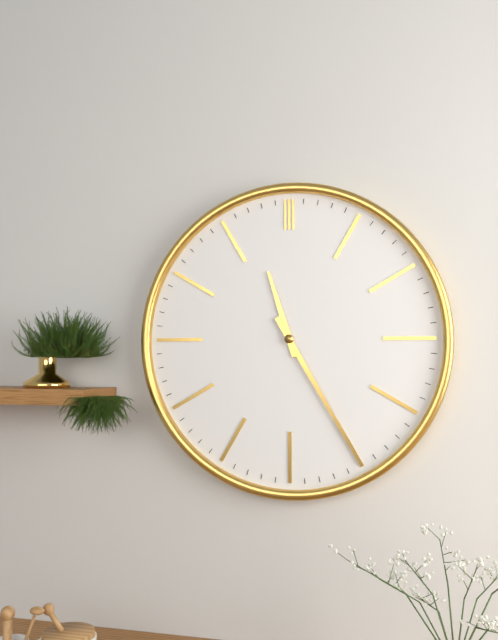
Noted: {"hour": 11, "minute": 25}
